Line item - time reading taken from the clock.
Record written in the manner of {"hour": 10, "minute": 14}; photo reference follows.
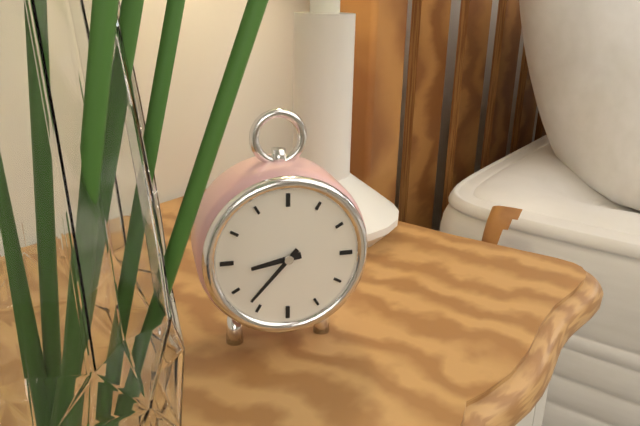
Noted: {"hour": 8, "minute": 37}
